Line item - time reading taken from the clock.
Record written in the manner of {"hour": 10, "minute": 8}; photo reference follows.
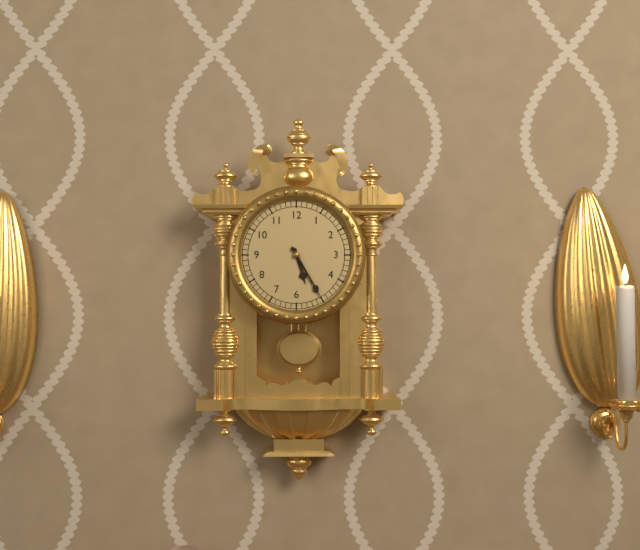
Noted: {"hour": 5, "minute": 25}
